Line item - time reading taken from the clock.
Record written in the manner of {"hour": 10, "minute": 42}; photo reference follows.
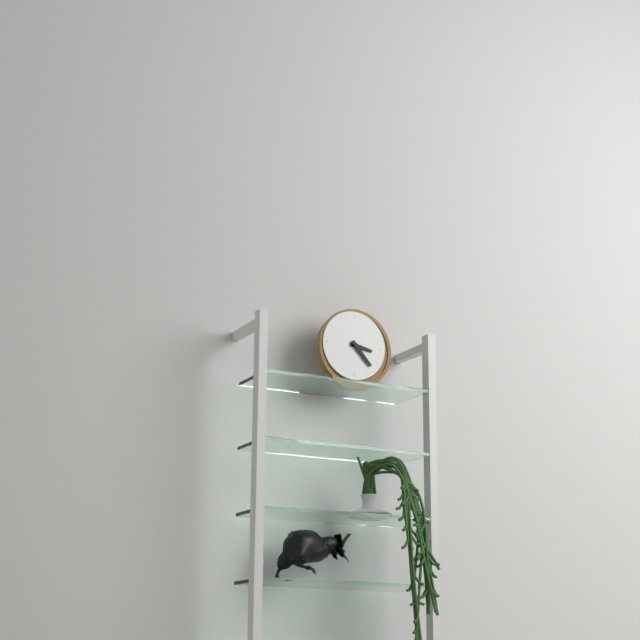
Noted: {"hour": 3, "minute": 23}
